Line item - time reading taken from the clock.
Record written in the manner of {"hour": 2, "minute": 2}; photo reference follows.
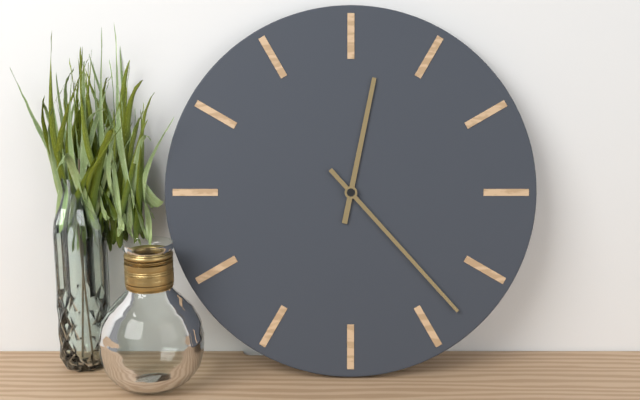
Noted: {"hour": 12, "minute": 23}
